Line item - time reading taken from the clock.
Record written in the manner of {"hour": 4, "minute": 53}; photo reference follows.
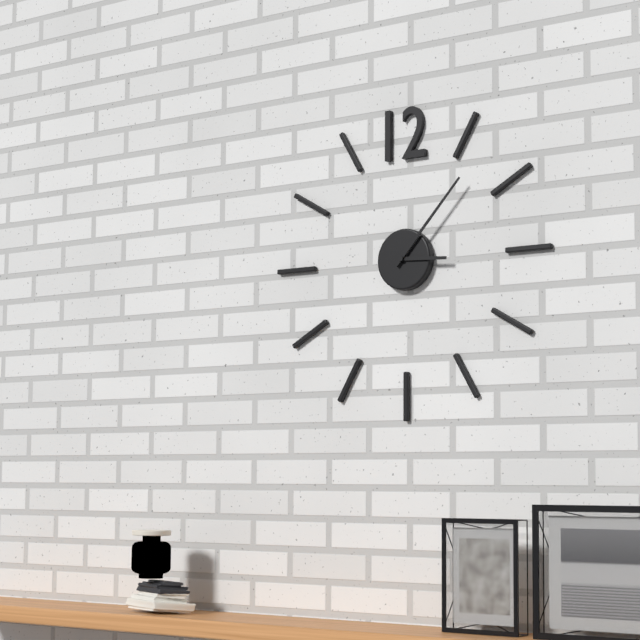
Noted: {"hour": 3, "minute": 7}
